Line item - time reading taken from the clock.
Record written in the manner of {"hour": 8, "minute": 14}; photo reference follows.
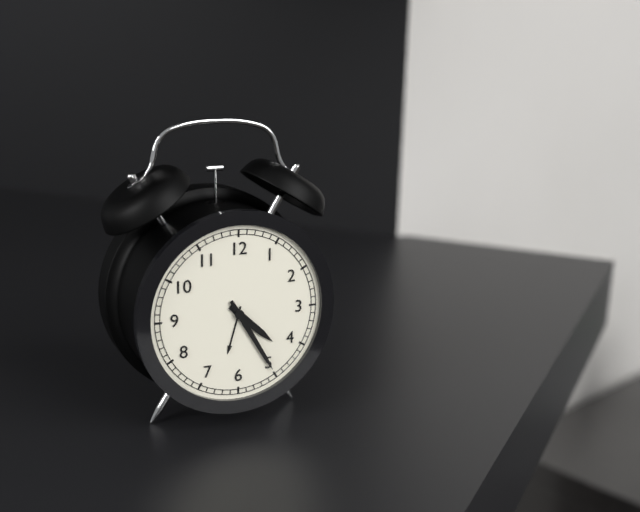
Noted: {"hour": 4, "minute": 25}
